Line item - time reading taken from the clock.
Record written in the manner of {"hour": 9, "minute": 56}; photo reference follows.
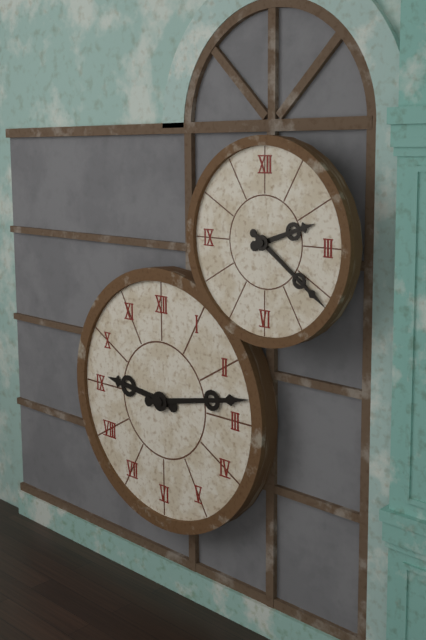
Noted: {"hour": 2, "minute": 21}
